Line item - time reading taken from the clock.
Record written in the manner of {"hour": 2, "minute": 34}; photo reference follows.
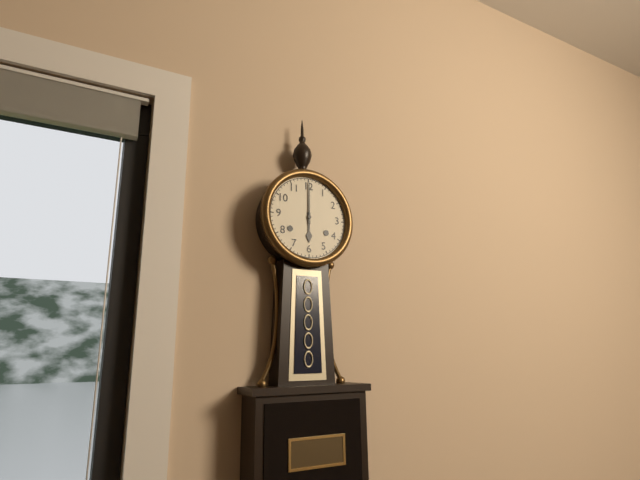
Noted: {"hour": 6, "minute": 0}
